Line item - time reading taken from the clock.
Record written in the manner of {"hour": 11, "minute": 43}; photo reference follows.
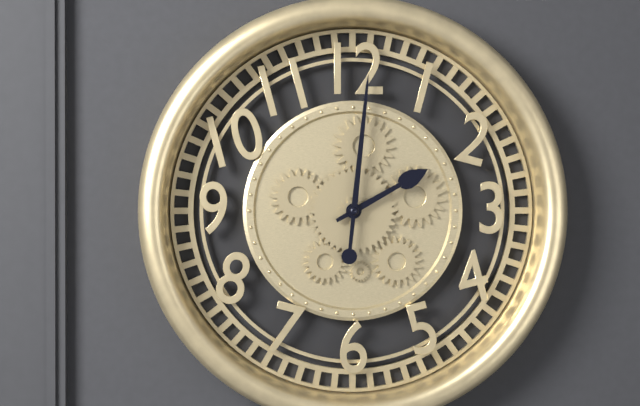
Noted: {"hour": 2, "minute": 1}
